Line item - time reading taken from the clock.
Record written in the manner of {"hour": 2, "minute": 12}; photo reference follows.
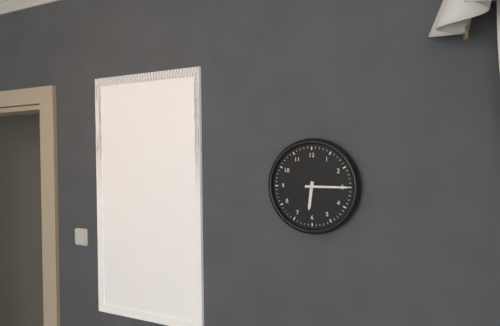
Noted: {"hour": 6, "minute": 15}
